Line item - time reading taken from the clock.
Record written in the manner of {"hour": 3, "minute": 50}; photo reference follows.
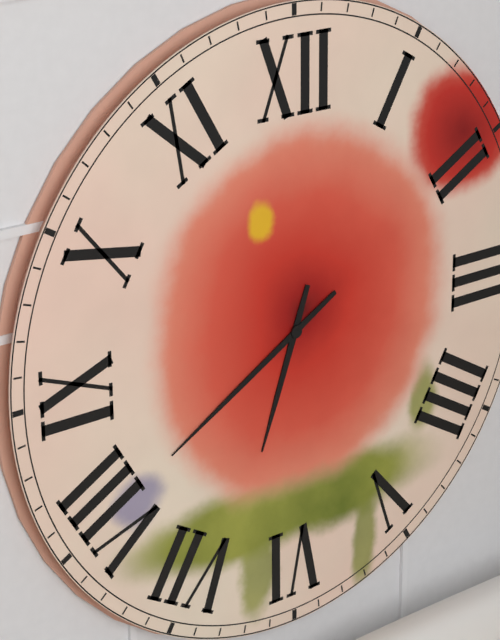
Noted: {"hour": 6, "minute": 40}
